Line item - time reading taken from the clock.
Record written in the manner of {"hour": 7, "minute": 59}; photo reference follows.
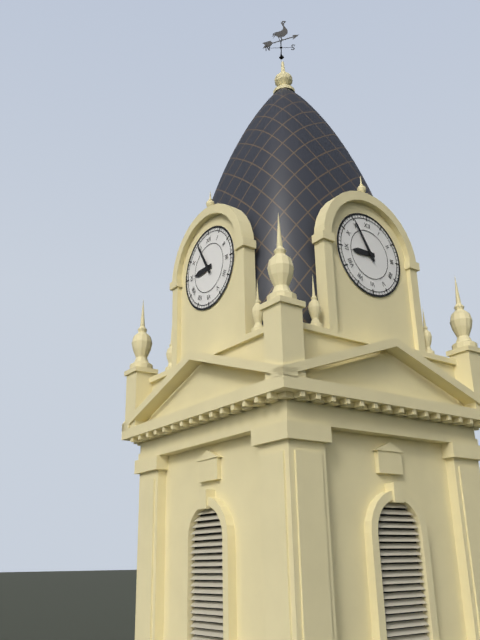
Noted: {"hour": 8, "minute": 55}
